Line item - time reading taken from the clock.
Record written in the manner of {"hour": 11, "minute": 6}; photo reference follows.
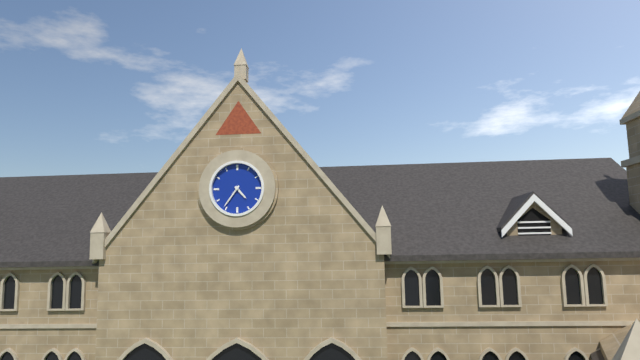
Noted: {"hour": 4, "minute": 36}
